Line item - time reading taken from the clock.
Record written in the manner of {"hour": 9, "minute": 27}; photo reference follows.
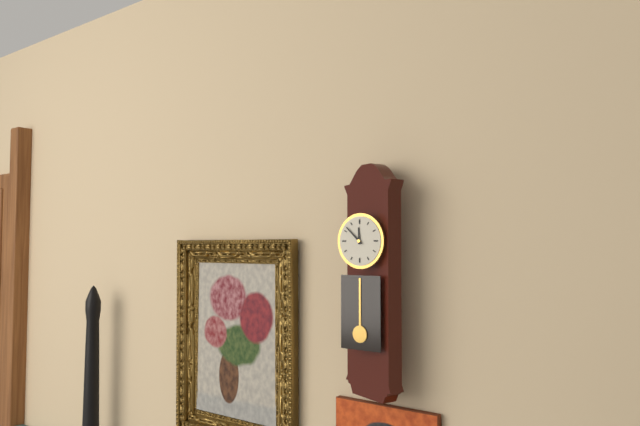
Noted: {"hour": 11, "minute": 52}
